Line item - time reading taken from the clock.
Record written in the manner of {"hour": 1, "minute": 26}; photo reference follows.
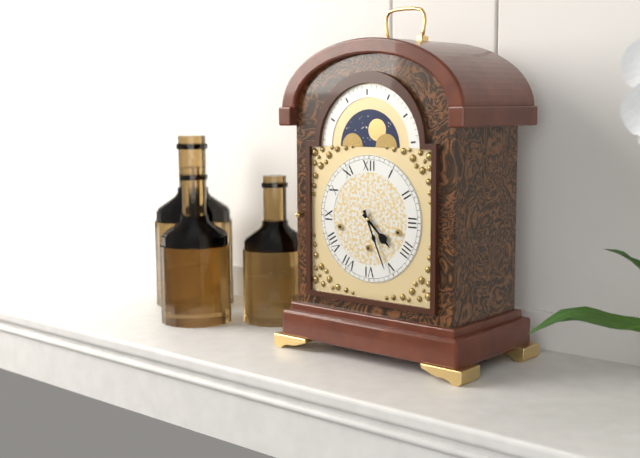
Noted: {"hour": 4, "minute": 26}
